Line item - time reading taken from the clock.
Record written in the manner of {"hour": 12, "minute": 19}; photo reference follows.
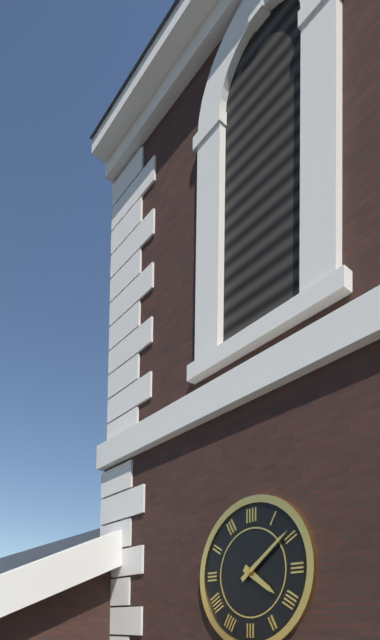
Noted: {"hour": 4, "minute": 9}
